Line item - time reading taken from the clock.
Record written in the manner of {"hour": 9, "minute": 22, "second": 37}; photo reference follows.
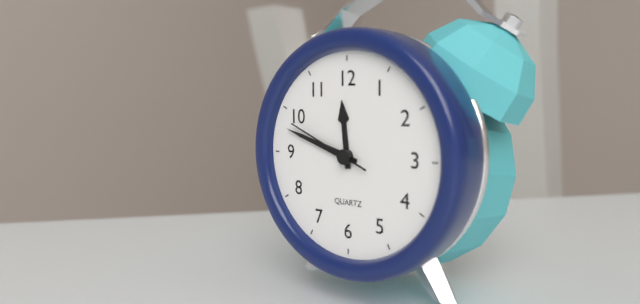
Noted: {"hour": 11, "minute": 48, "second": 49}
